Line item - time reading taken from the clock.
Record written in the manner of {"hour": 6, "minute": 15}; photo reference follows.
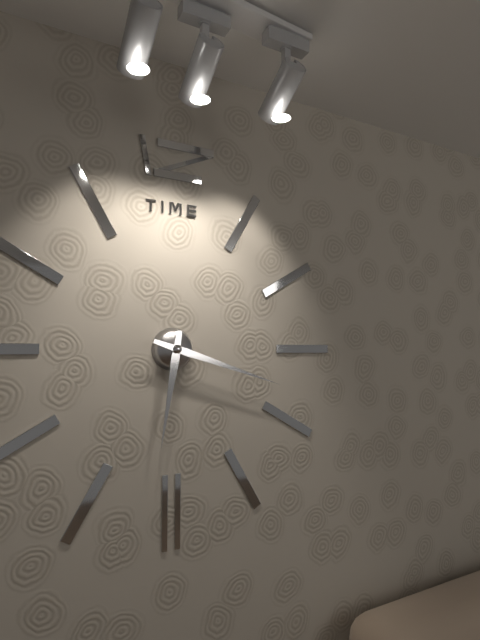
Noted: {"hour": 6, "minute": 18}
